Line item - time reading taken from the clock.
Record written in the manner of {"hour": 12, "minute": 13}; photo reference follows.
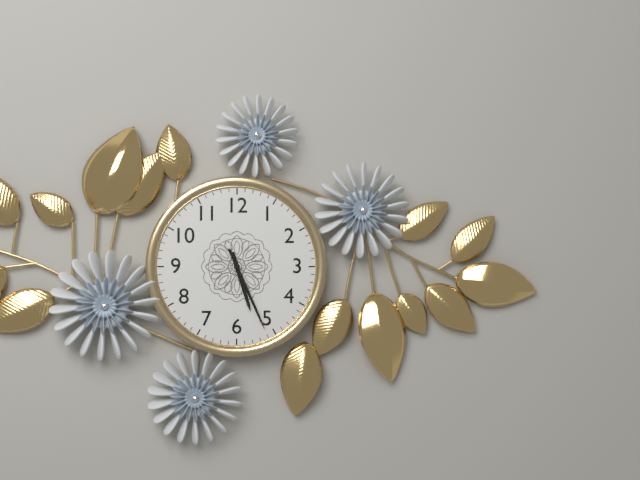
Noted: {"hour": 5, "minute": 26}
